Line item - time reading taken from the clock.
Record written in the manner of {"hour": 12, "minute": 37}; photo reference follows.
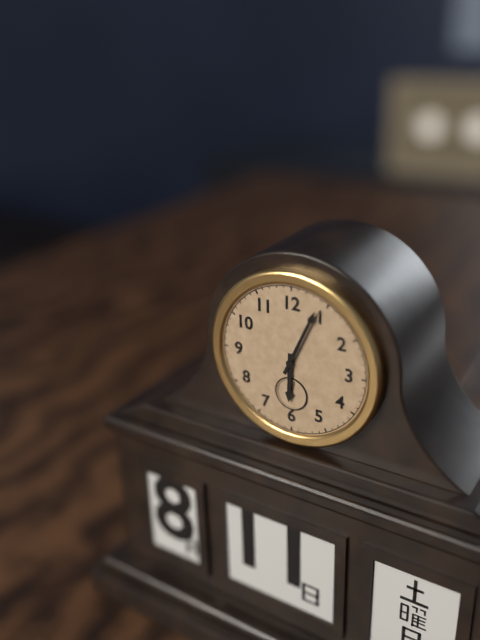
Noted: {"hour": 6, "minute": 4}
